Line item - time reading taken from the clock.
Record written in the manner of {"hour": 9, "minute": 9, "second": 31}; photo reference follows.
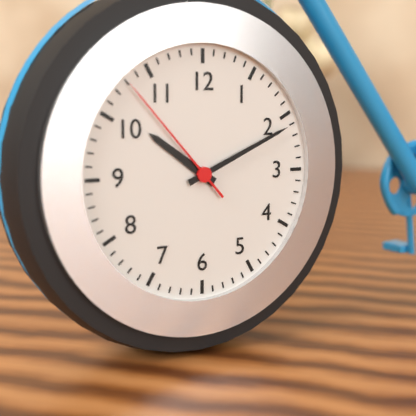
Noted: {"hour": 10, "minute": 11, "second": 53}
